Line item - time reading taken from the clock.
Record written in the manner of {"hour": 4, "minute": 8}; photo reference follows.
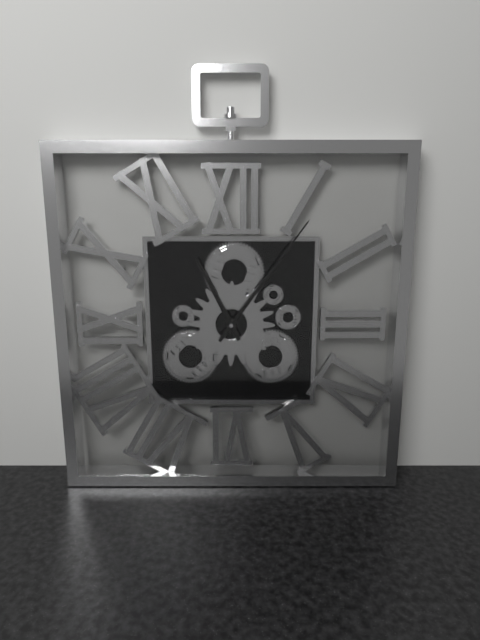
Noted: {"hour": 11, "minute": 6}
